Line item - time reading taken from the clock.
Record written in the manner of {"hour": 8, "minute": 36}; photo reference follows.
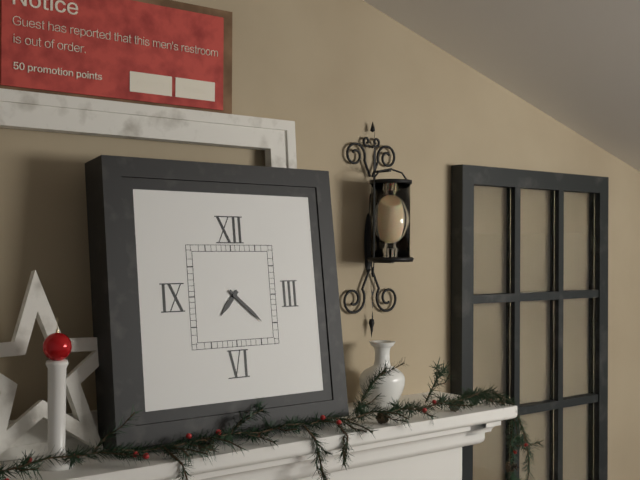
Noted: {"hour": 7, "minute": 22}
